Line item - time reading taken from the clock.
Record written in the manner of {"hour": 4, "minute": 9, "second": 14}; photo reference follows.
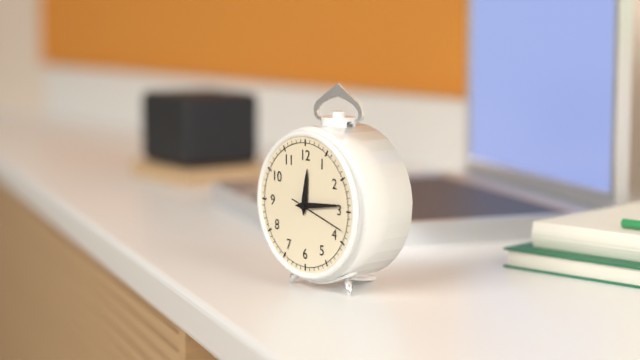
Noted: {"hour": 12, "minute": 14, "second": 18}
